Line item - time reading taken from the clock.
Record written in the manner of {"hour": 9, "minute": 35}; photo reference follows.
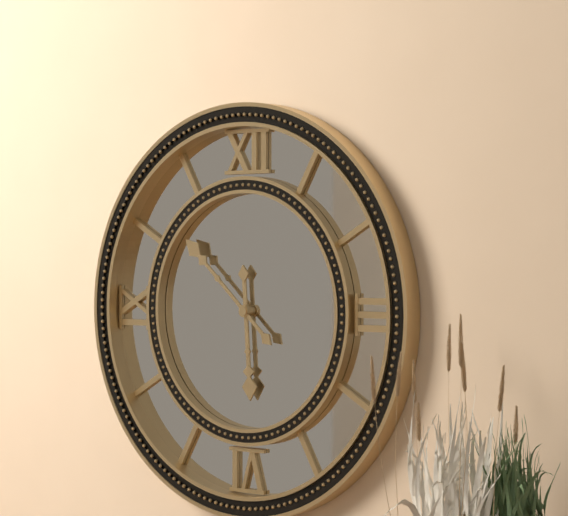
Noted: {"hour": 5, "minute": 52}
